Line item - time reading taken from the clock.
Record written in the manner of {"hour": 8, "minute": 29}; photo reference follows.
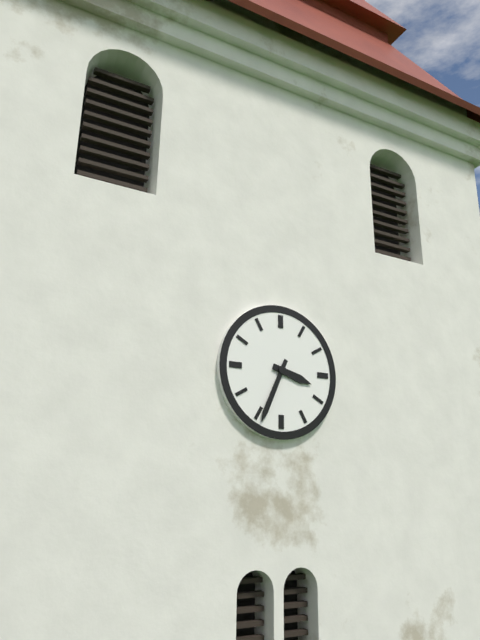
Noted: {"hour": 3, "minute": 34}
